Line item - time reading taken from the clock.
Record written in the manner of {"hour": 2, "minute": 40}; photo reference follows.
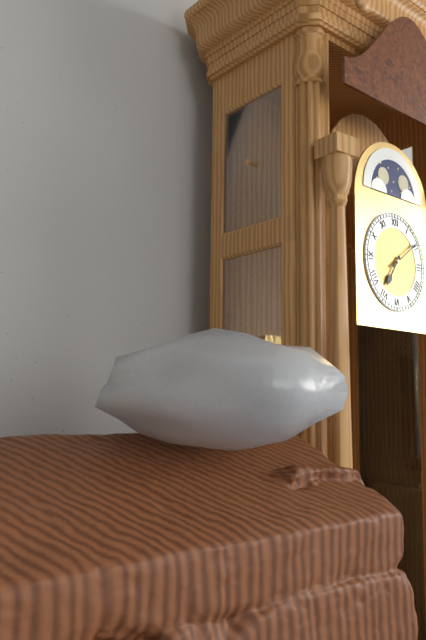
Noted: {"hour": 7, "minute": 9}
